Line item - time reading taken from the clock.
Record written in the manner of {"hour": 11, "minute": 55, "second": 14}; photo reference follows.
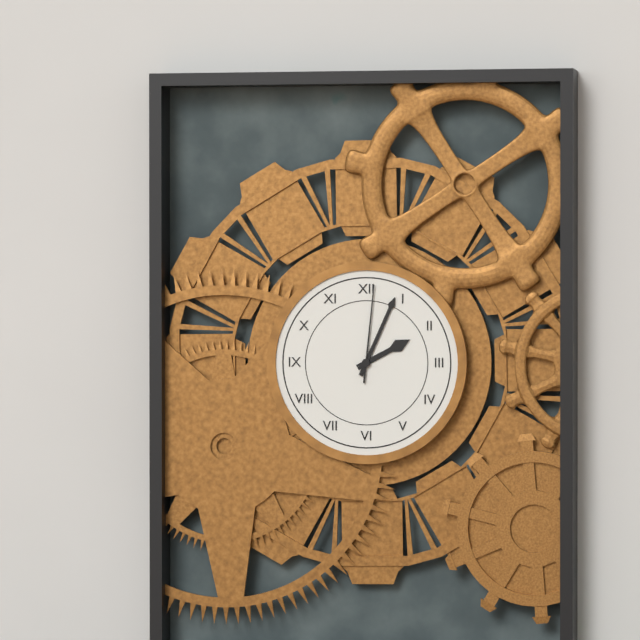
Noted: {"hour": 2, "minute": 4, "second": 1}
